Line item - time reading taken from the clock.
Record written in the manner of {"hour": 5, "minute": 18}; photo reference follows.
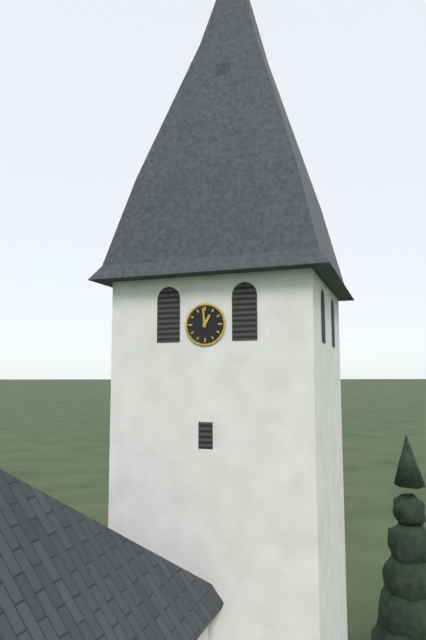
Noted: {"hour": 12, "minute": 59}
